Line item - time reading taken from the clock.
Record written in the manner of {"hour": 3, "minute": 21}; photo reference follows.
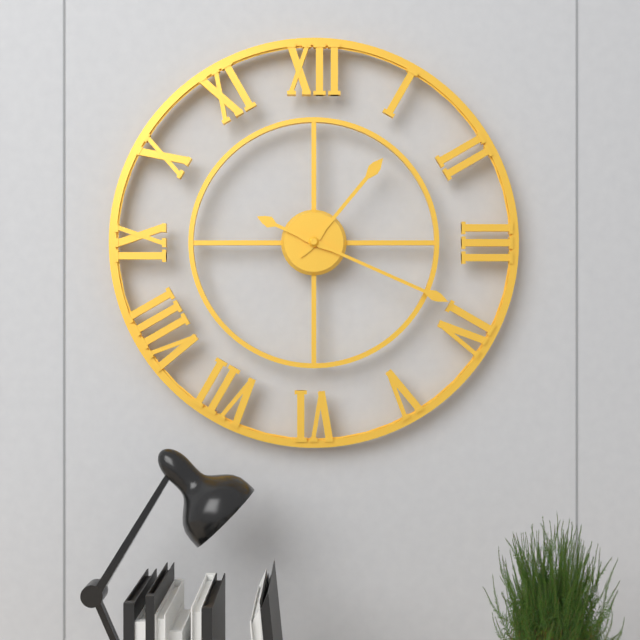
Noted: {"hour": 1, "minute": 19}
